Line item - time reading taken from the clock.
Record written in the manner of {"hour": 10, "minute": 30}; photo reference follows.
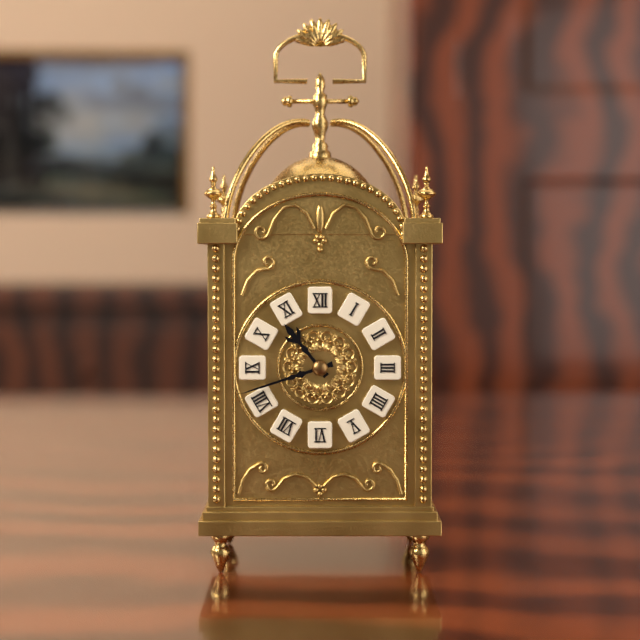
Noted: {"hour": 10, "minute": 42}
